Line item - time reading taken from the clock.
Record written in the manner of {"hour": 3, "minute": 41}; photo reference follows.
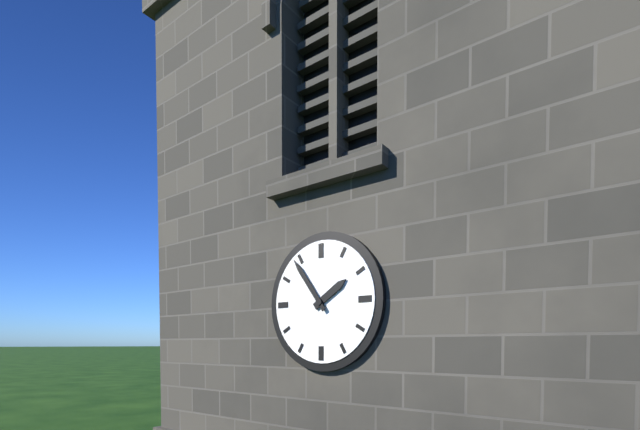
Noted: {"hour": 1, "minute": 54}
